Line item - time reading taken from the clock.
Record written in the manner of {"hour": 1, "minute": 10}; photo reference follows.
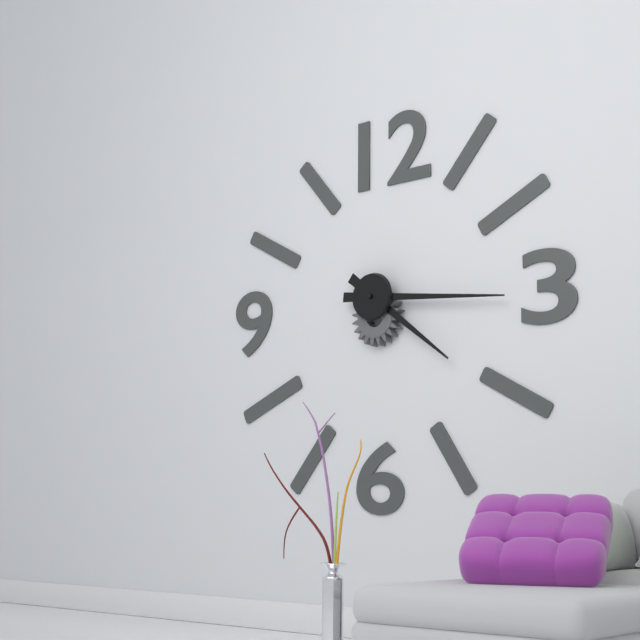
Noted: {"hour": 4, "minute": 16}
